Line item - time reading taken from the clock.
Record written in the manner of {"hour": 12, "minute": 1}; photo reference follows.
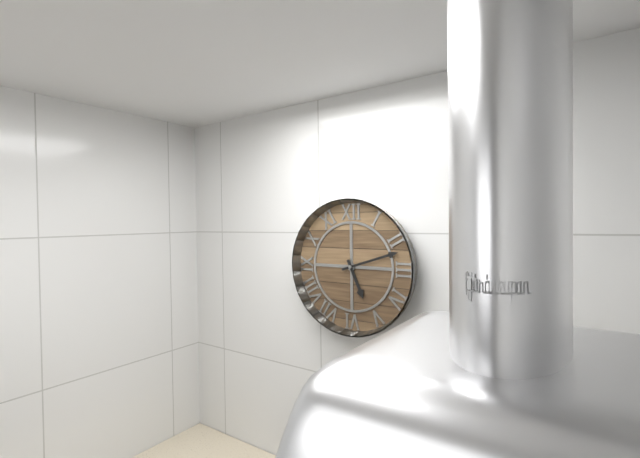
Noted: {"hour": 5, "minute": 12}
